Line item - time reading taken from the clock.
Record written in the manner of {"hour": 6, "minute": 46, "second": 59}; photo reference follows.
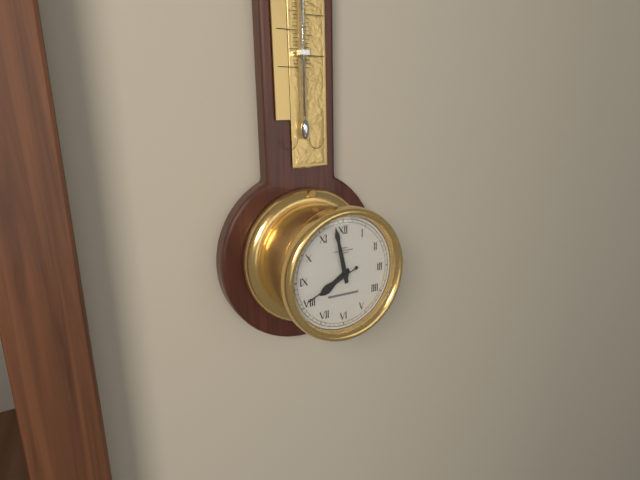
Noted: {"hour": 7, "minute": 58, "second": 41}
